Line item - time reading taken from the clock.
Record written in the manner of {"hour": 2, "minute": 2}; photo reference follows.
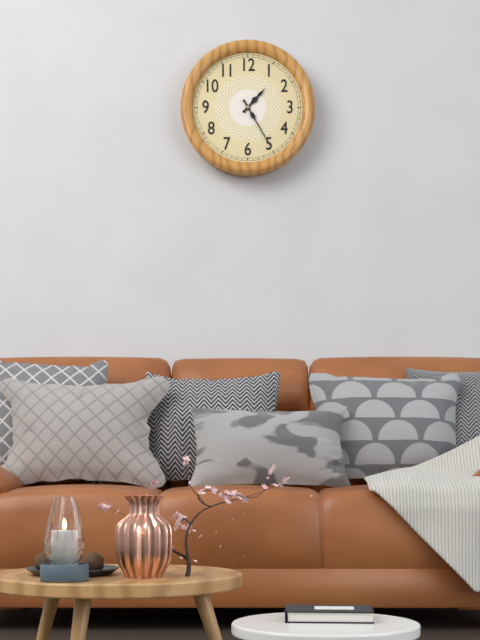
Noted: {"hour": 1, "minute": 25}
